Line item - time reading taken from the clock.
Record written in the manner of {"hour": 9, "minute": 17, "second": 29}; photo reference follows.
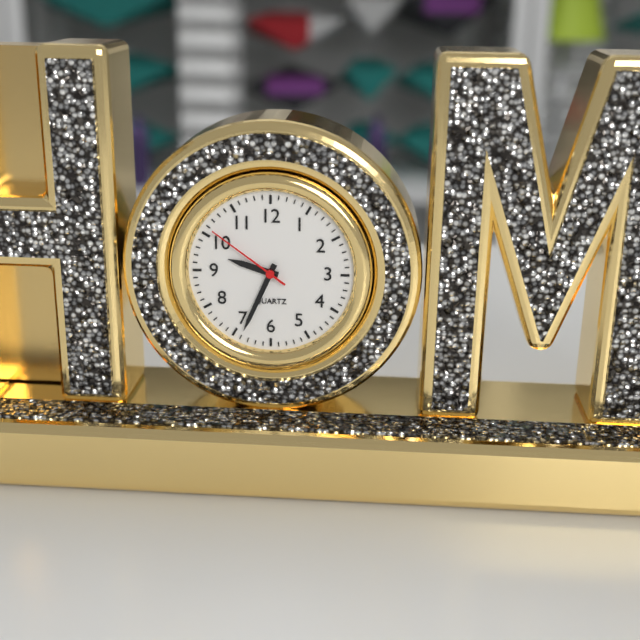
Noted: {"hour": 9, "minute": 34, "second": 51}
